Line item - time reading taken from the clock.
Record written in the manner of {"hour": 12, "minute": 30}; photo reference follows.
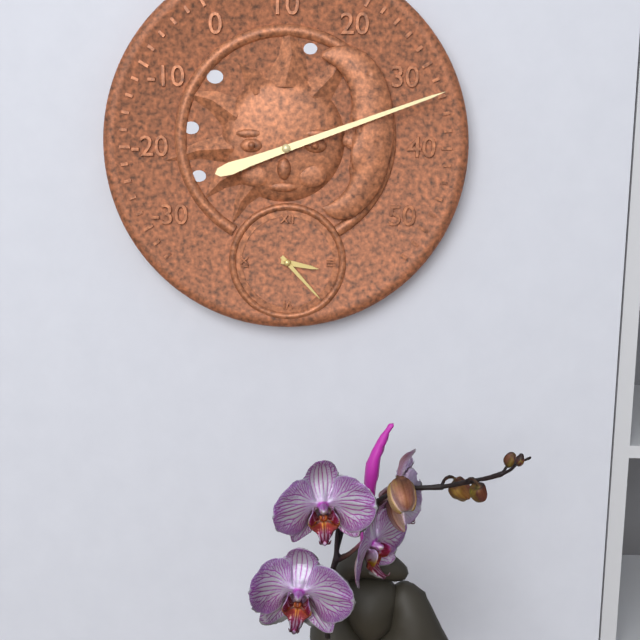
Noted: {"hour": 3, "minute": 23}
